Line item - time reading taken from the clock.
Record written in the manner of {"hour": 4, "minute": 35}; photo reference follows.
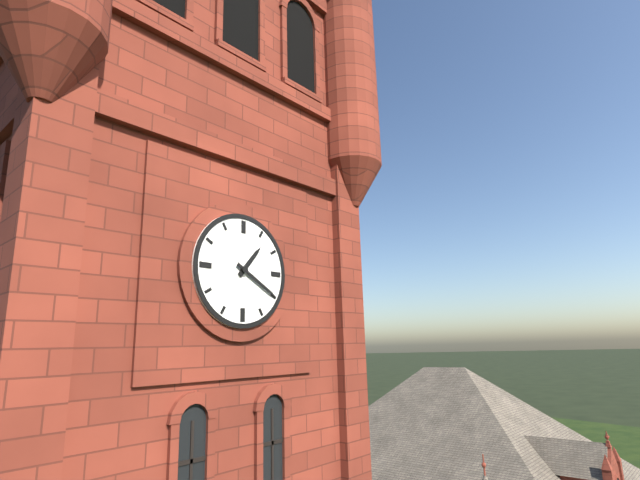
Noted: {"hour": 1, "minute": 20}
